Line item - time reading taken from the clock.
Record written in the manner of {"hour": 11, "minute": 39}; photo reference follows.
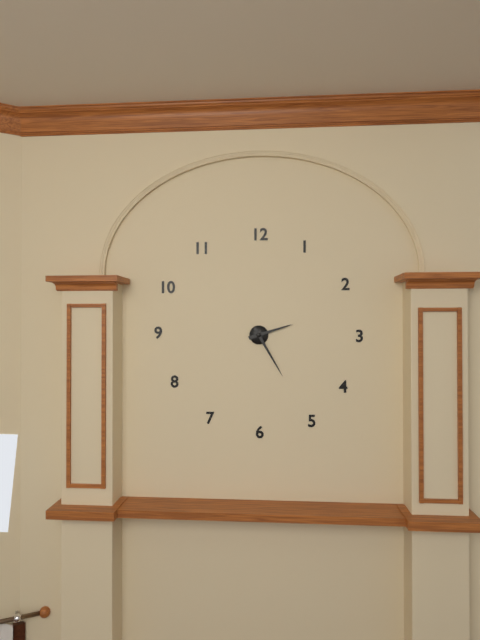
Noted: {"hour": 2, "minute": 25}
